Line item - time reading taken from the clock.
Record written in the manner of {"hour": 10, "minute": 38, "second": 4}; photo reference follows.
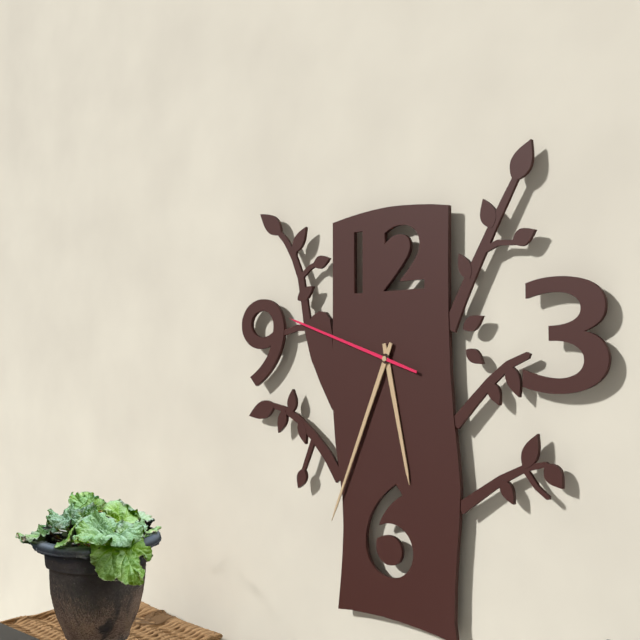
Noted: {"hour": 5, "minute": 34, "second": 48}
